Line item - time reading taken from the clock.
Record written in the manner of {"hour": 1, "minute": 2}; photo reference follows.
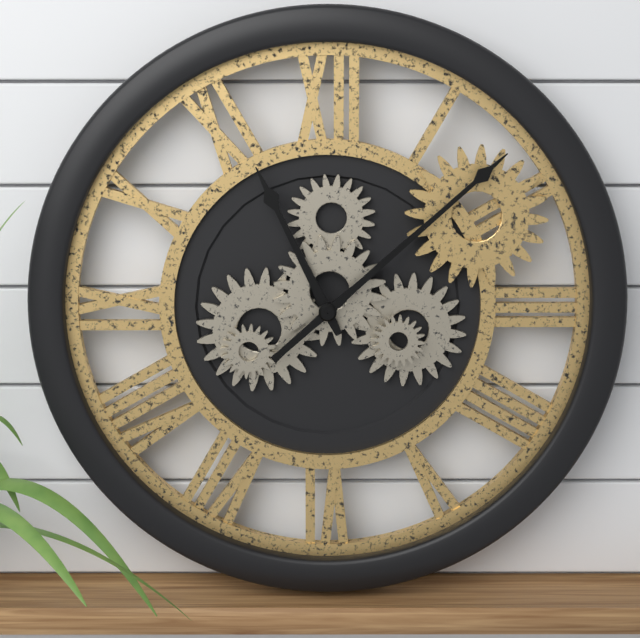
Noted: {"hour": 11, "minute": 8}
